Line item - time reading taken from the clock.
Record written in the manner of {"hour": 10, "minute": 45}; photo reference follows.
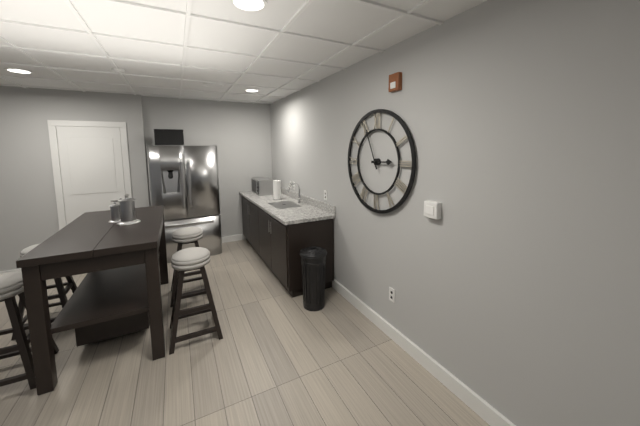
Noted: {"hour": 2, "minute": 56}
